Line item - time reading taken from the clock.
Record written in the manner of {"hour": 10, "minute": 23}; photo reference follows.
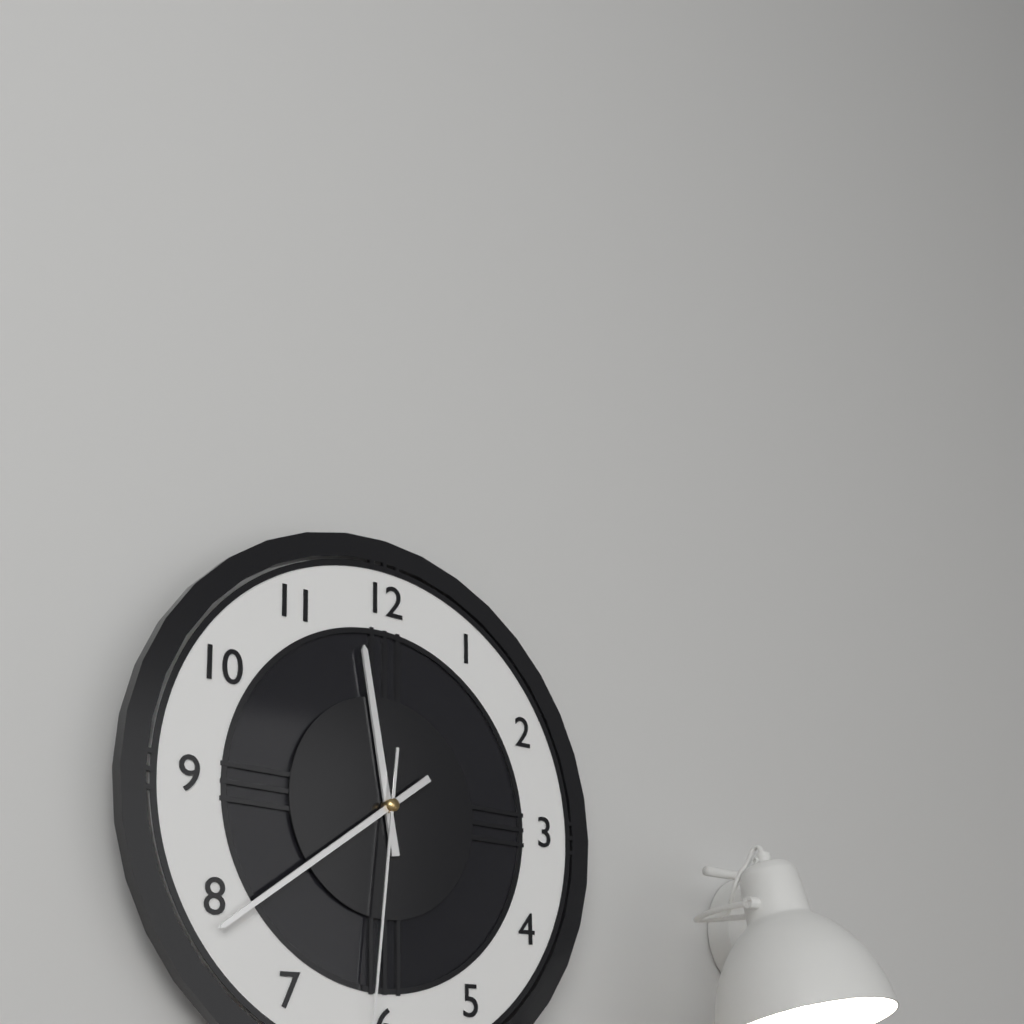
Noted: {"hour": 11, "minute": 39}
